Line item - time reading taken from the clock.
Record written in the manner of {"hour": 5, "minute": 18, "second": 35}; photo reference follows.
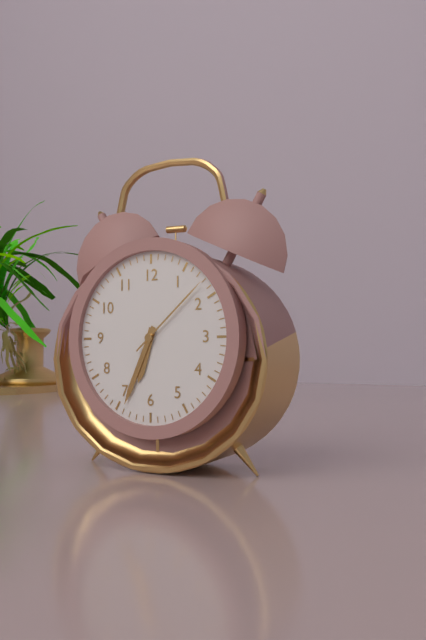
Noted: {"hour": 6, "minute": 34, "second": 8}
